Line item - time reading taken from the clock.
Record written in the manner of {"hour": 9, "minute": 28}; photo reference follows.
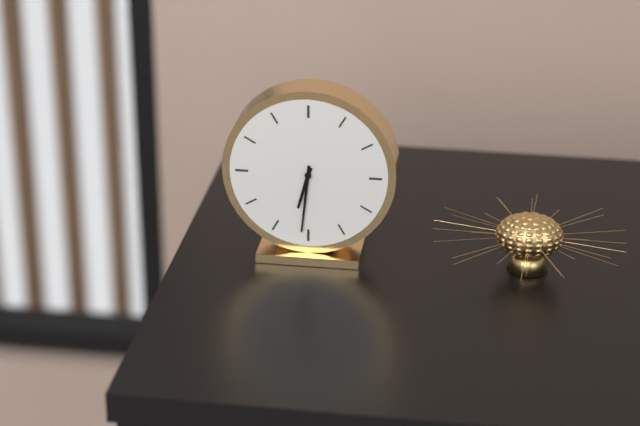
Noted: {"hour": 6, "minute": 31}
